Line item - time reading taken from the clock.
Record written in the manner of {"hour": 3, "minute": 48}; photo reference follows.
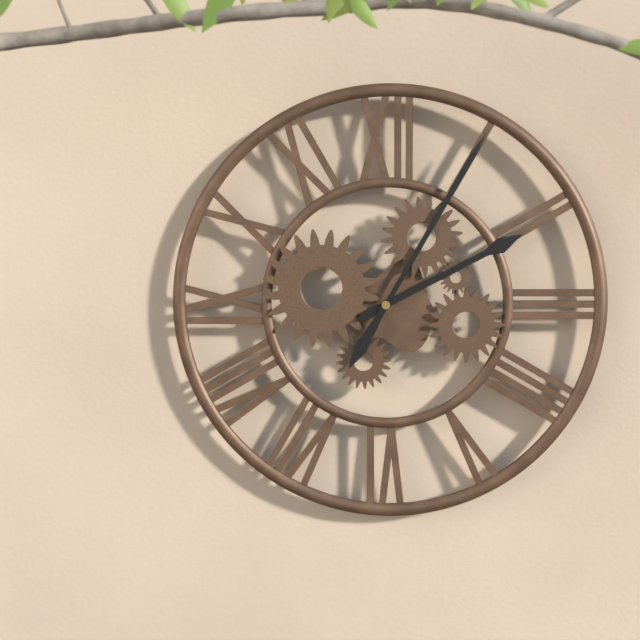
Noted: {"hour": 2, "minute": 5}
